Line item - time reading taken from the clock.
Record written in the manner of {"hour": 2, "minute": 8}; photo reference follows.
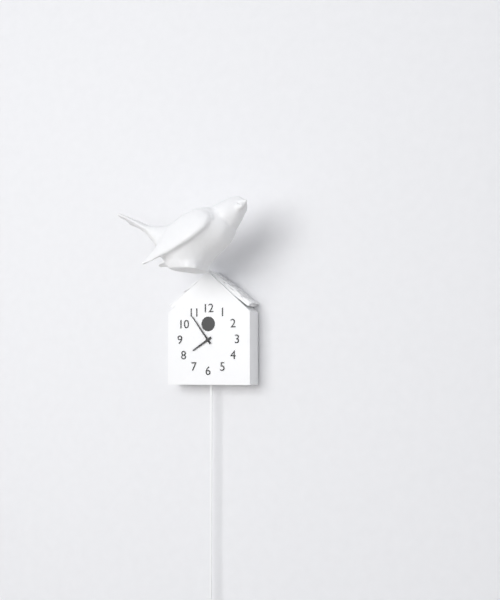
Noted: {"hour": 7, "minute": 54}
